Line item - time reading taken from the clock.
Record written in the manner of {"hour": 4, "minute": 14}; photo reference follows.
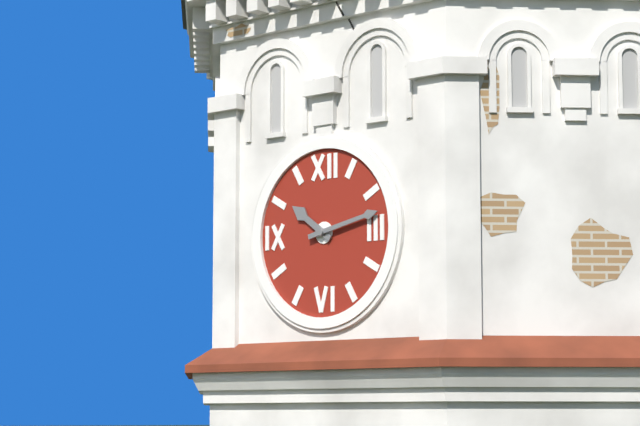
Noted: {"hour": 10, "minute": 13}
